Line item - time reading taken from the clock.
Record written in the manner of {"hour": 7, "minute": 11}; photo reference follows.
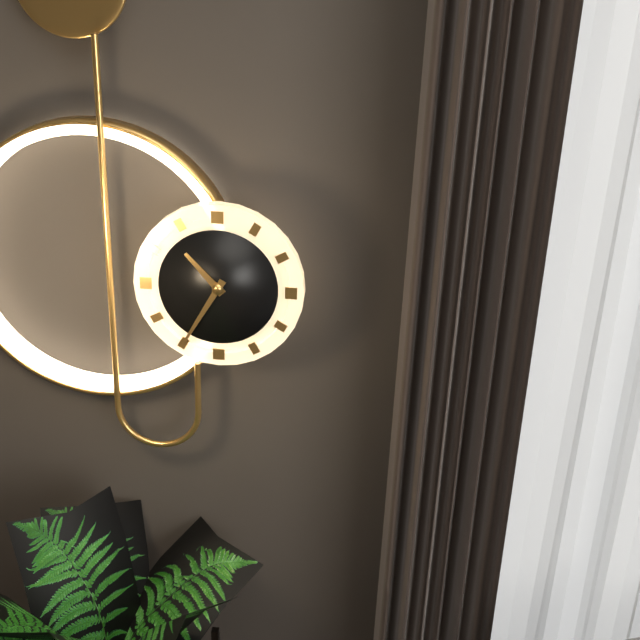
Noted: {"hour": 10, "minute": 35}
